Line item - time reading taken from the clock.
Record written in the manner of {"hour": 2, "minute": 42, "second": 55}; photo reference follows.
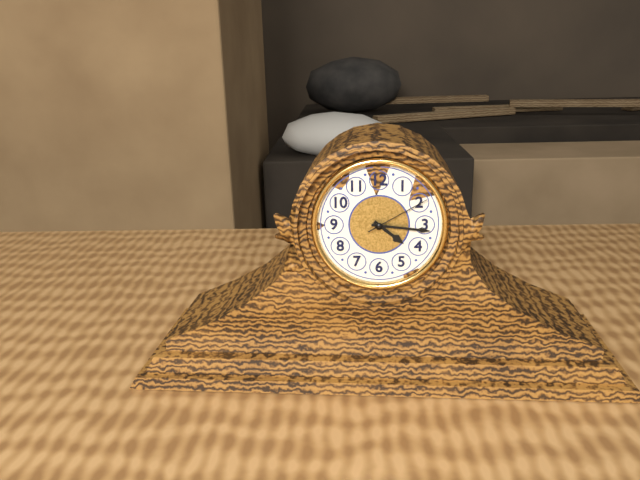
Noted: {"hour": 4, "minute": 16, "second": 10}
